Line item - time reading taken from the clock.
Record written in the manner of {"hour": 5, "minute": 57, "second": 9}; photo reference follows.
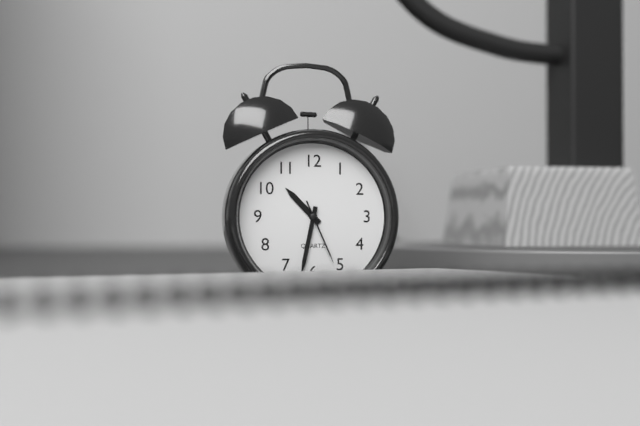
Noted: {"hour": 10, "minute": 32, "second": 26}
